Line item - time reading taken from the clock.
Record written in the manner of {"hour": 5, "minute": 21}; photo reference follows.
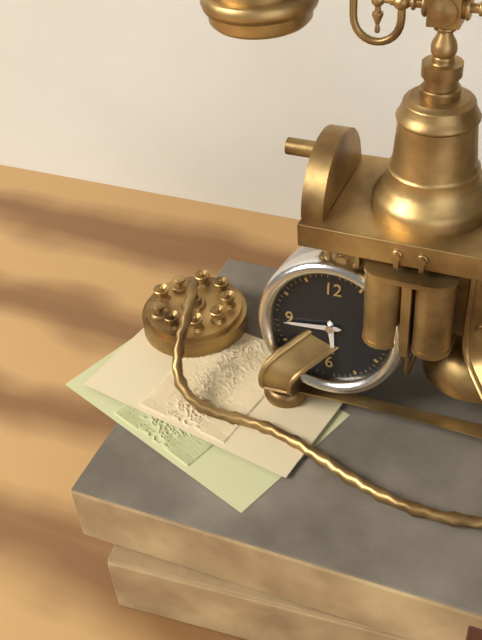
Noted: {"hour": 5, "minute": 44}
